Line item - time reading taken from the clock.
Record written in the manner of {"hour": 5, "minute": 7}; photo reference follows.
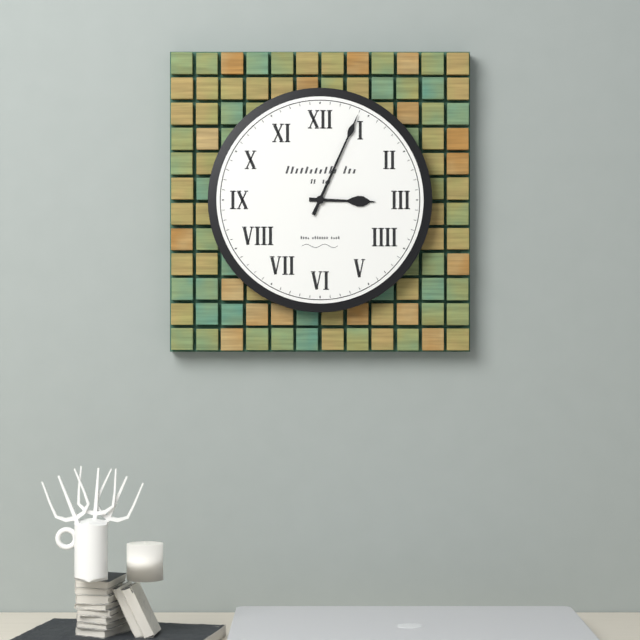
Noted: {"hour": 3, "minute": 4}
